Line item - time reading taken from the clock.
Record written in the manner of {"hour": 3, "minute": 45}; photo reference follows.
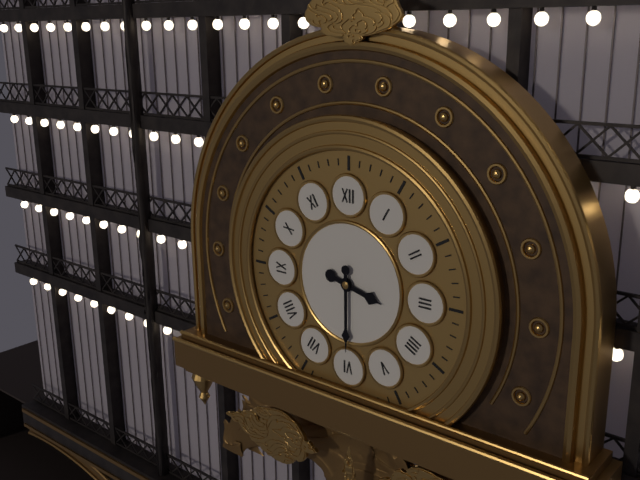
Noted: {"hour": 3, "minute": 30}
